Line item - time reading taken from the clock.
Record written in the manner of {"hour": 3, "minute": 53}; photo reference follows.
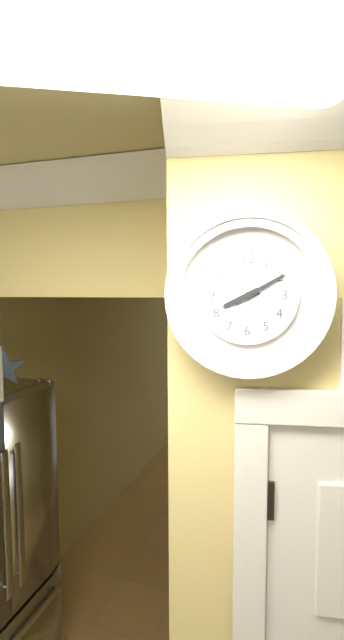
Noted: {"hour": 8, "minute": 10}
